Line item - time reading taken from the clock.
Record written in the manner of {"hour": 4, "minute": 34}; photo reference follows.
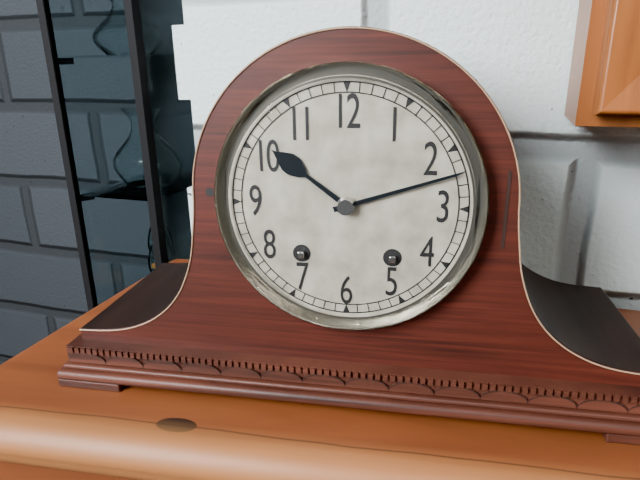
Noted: {"hour": 10, "minute": 12}
